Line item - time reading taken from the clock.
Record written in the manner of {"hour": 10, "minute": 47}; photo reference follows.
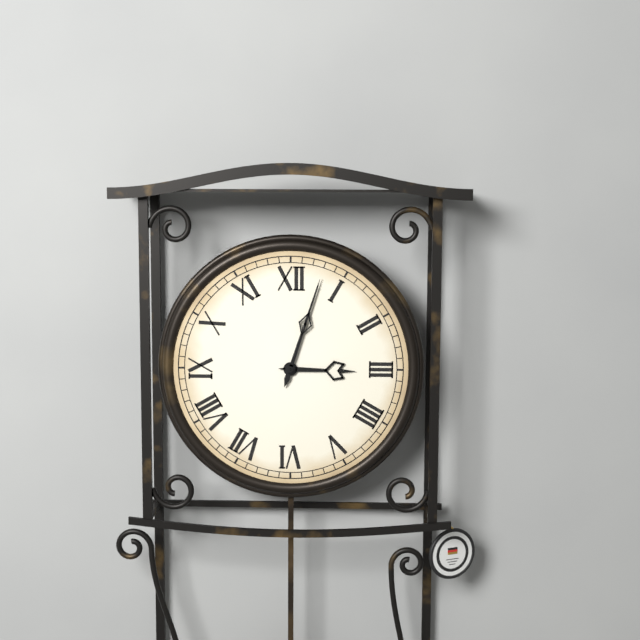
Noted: {"hour": 3, "minute": 3}
